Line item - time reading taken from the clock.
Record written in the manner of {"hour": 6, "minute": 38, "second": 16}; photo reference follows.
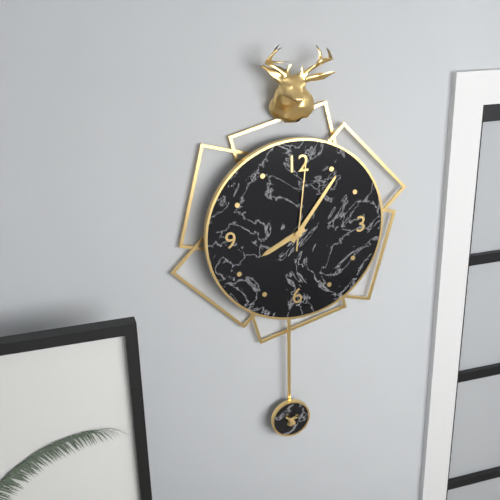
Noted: {"hour": 8, "minute": 6, "second": 1}
